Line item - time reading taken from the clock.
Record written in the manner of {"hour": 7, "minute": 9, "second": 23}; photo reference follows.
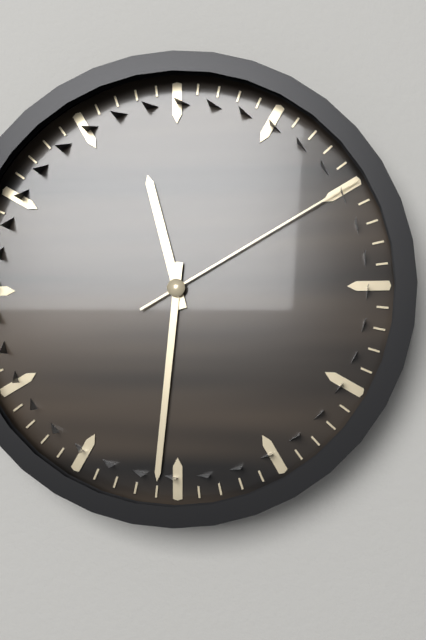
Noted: {"hour": 11, "minute": 31, "second": 10}
